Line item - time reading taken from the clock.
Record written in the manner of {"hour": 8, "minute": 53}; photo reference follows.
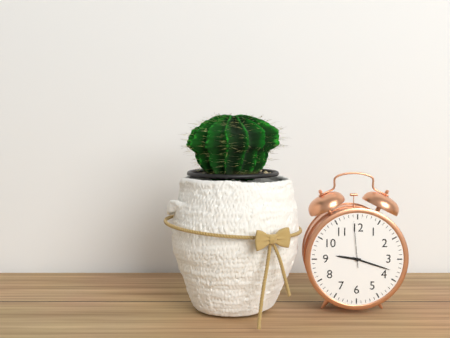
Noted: {"hour": 9, "minute": 18}
